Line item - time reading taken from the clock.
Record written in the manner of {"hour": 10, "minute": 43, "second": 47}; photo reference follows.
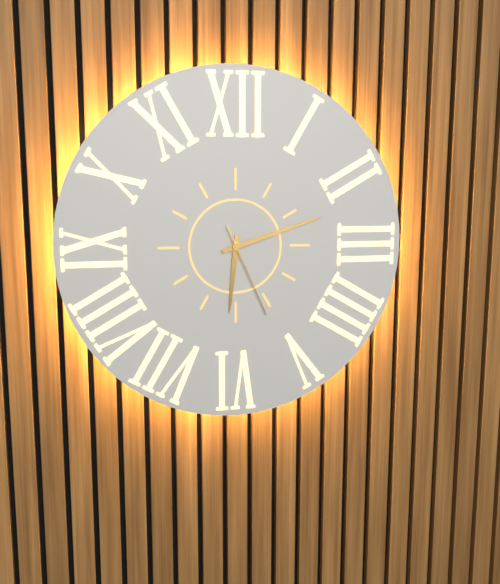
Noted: {"hour": 6, "minute": 12, "second": 26}
